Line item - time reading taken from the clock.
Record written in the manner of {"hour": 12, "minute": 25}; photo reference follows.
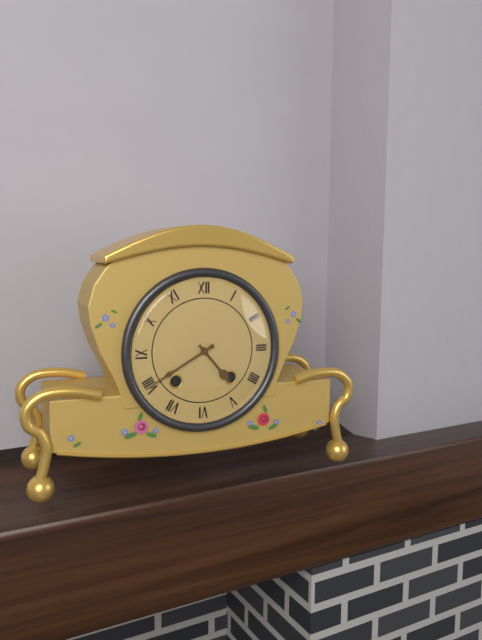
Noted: {"hour": 4, "minute": 40}
